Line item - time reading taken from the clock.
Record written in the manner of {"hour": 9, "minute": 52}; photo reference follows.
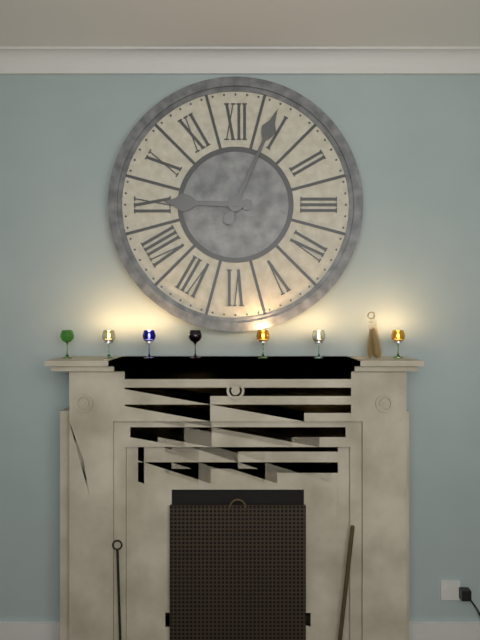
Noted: {"hour": 9, "minute": 4}
